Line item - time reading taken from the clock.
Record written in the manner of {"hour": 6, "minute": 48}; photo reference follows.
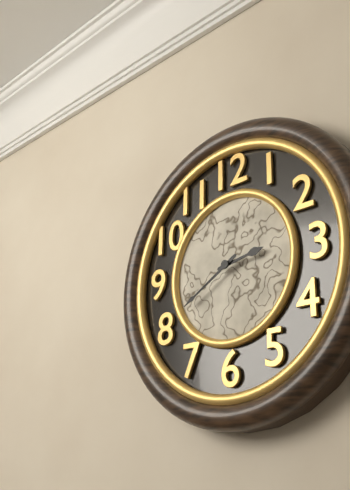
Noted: {"hour": 2, "minute": 40}
